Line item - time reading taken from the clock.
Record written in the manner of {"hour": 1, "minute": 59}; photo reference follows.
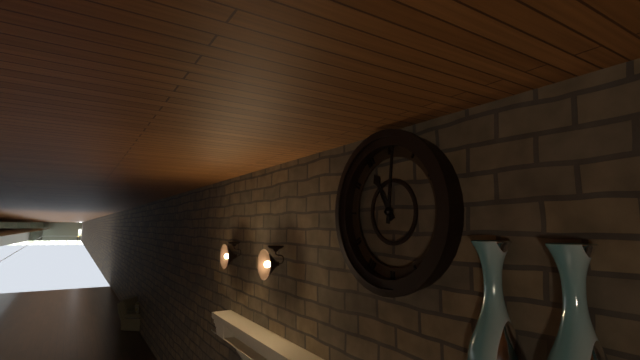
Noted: {"hour": 11, "minute": 1}
